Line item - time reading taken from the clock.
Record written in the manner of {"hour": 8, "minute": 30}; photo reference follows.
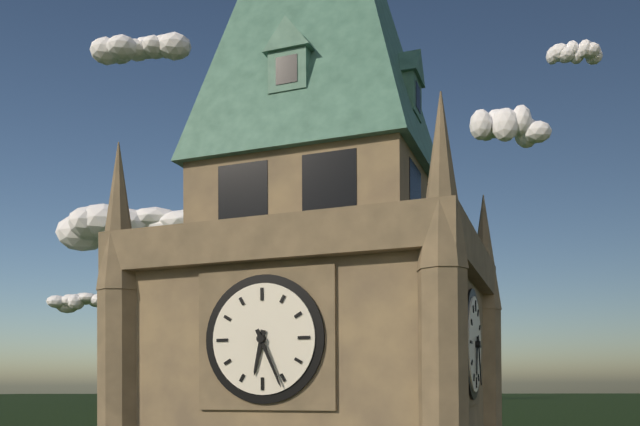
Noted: {"hour": 6, "minute": 26}
